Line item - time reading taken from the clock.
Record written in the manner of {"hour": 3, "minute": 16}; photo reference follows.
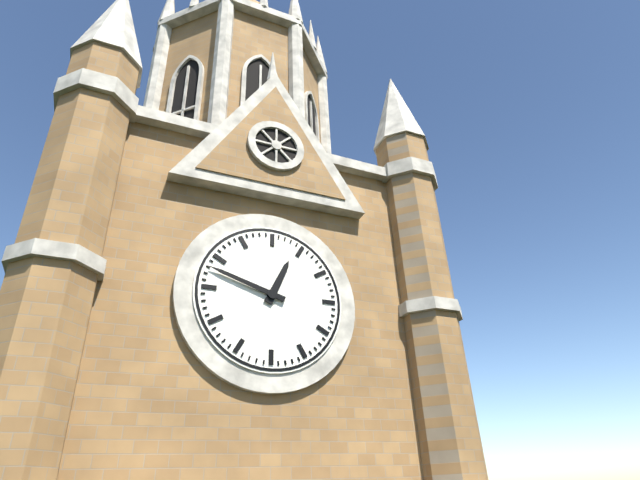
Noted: {"hour": 12, "minute": 48}
